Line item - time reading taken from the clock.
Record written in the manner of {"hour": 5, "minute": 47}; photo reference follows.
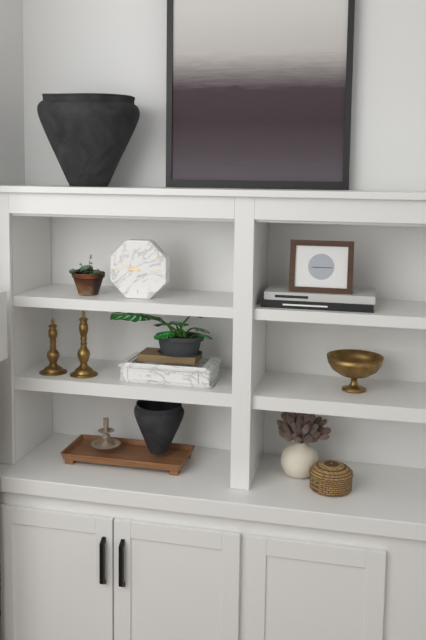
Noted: {"hour": 8, "minute": 48}
